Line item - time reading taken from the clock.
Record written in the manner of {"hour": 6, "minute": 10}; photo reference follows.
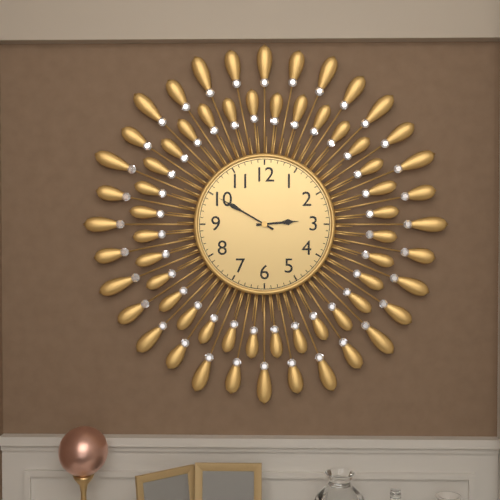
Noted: {"hour": 2, "minute": 50}
